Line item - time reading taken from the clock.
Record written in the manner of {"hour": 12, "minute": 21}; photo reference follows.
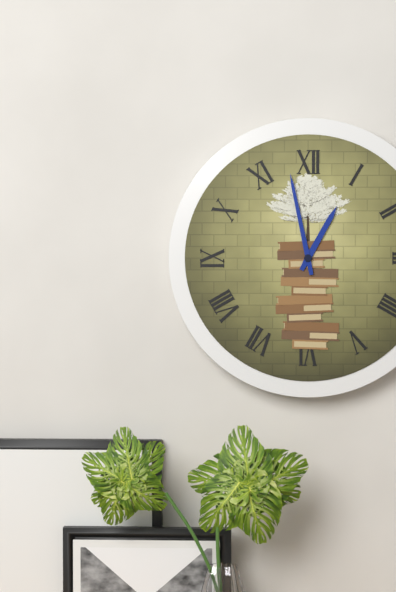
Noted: {"hour": 12, "minute": 58}
